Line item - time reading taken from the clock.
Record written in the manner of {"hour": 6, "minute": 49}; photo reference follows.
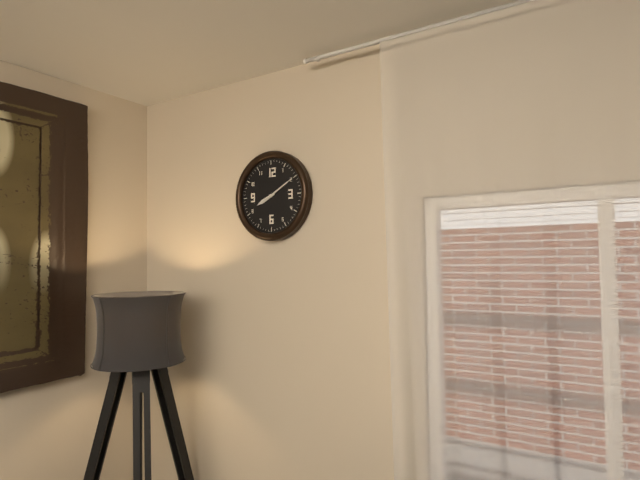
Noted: {"hour": 8, "minute": 10}
